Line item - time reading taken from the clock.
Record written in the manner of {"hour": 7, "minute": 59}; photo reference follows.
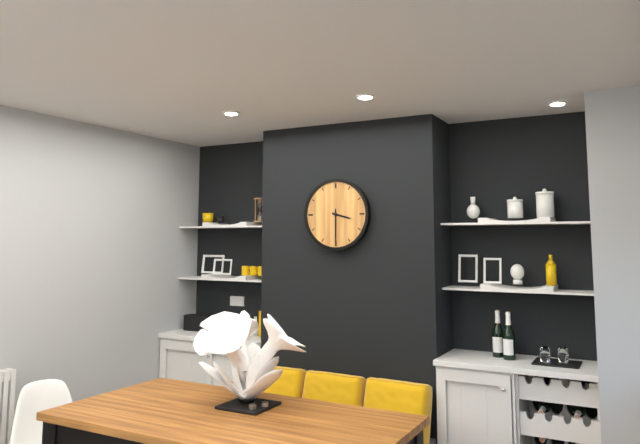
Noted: {"hour": 3, "minute": 30}
